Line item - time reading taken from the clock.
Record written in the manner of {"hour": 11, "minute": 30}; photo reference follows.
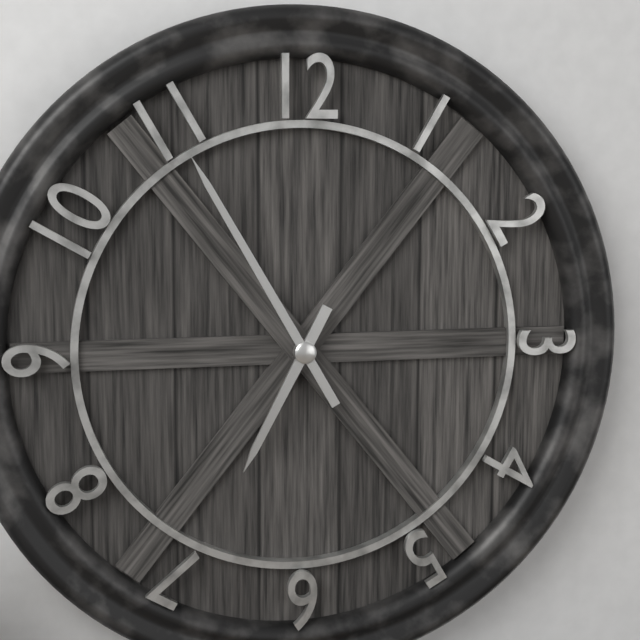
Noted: {"hour": 6, "minute": 55}
